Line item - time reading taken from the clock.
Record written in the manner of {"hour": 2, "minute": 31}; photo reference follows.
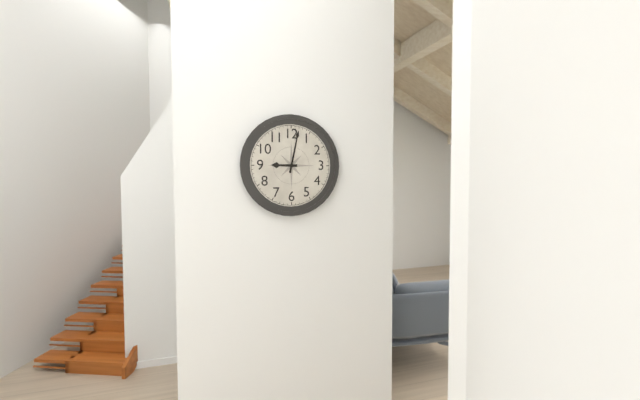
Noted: {"hour": 9, "minute": 2}
